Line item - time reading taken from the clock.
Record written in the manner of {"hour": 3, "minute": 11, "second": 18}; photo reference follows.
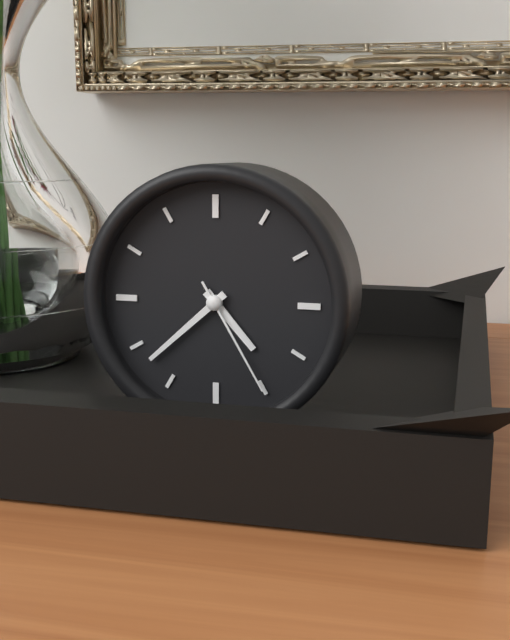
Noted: {"hour": 4, "minute": 38, "second": 25}
